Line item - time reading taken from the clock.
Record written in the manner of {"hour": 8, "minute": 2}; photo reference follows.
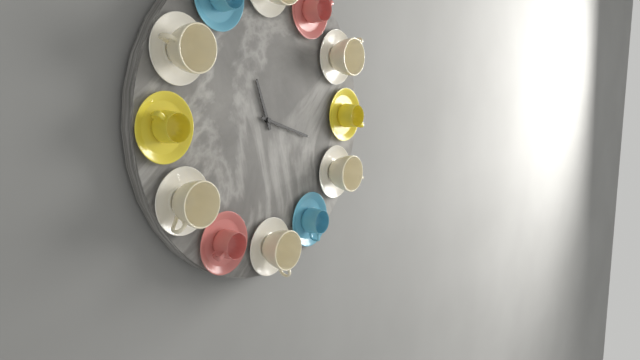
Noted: {"hour": 11, "minute": 18}
